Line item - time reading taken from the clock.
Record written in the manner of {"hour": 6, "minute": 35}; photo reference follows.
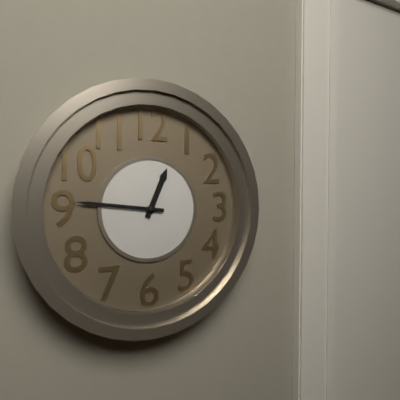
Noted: {"hour": 12, "minute": 46}
